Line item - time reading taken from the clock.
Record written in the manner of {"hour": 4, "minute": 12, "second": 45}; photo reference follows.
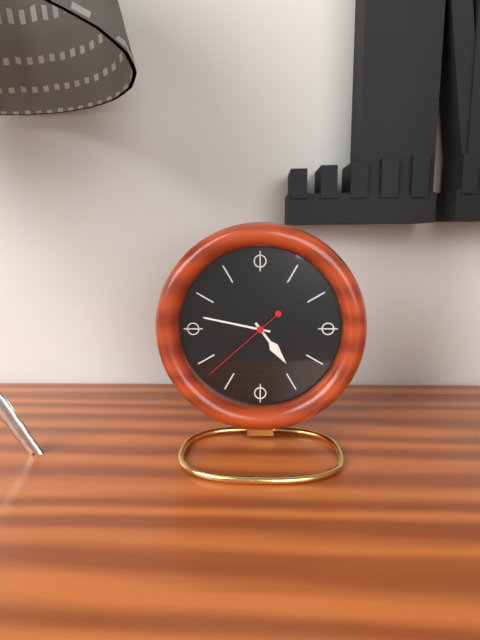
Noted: {"hour": 4, "minute": 47, "second": 38}
